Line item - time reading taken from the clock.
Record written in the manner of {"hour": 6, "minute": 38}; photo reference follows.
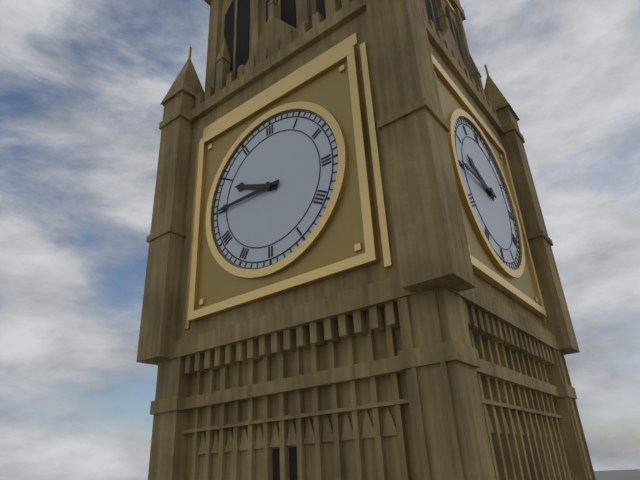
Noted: {"hour": 9, "minute": 45}
